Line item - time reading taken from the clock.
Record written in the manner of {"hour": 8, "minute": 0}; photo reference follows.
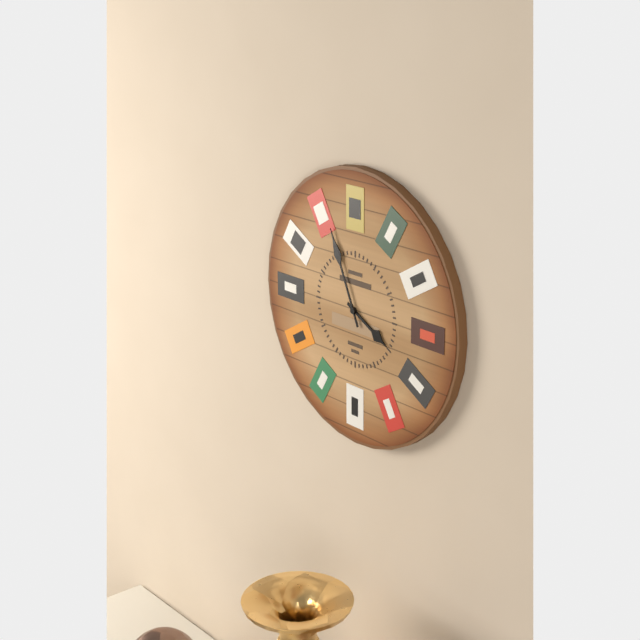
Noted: {"hour": 3, "minute": 56}
